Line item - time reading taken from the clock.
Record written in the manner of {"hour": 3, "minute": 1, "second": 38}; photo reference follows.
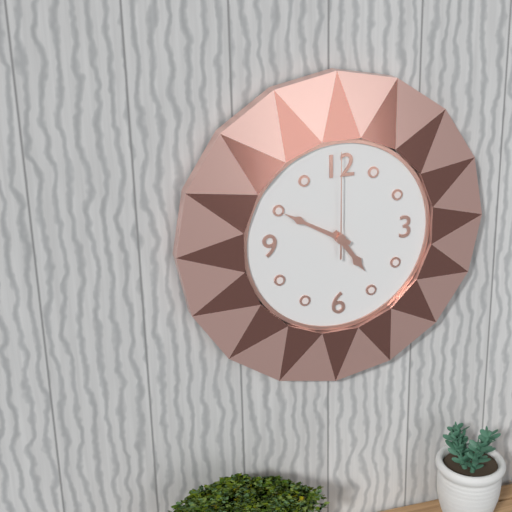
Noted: {"hour": 4, "minute": 50, "second": 0}
